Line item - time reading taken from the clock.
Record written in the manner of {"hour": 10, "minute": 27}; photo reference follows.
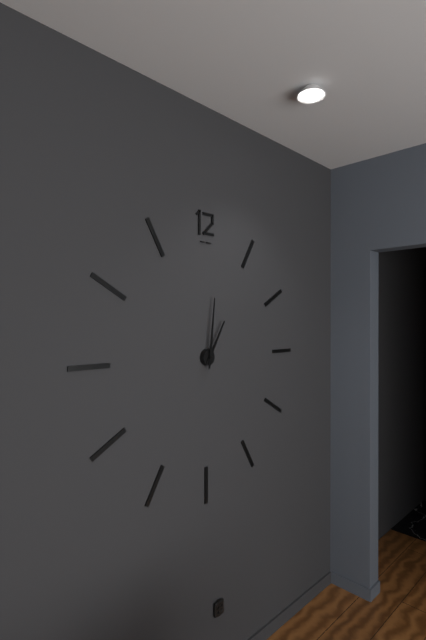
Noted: {"hour": 1, "minute": 1}
